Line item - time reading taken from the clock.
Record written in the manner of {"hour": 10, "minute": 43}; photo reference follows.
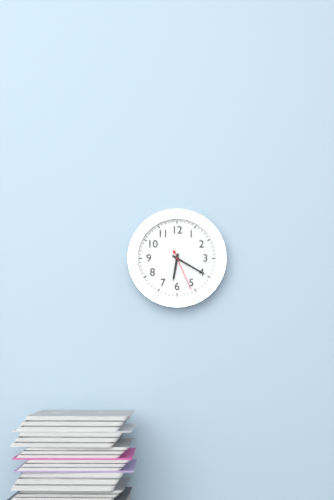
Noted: {"hour": 6, "minute": 20}
